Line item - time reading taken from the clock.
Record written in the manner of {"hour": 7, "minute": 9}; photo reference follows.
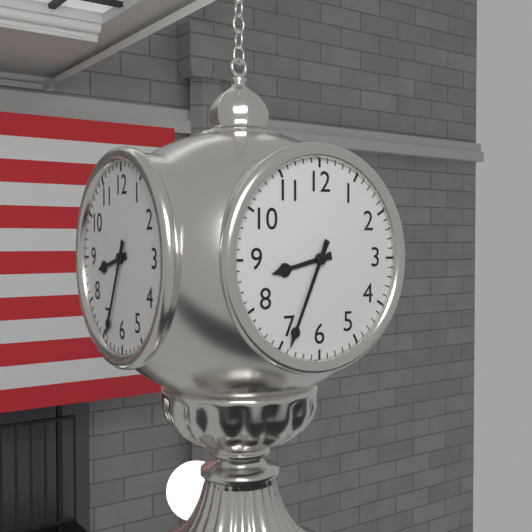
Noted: {"hour": 8, "minute": 34}
